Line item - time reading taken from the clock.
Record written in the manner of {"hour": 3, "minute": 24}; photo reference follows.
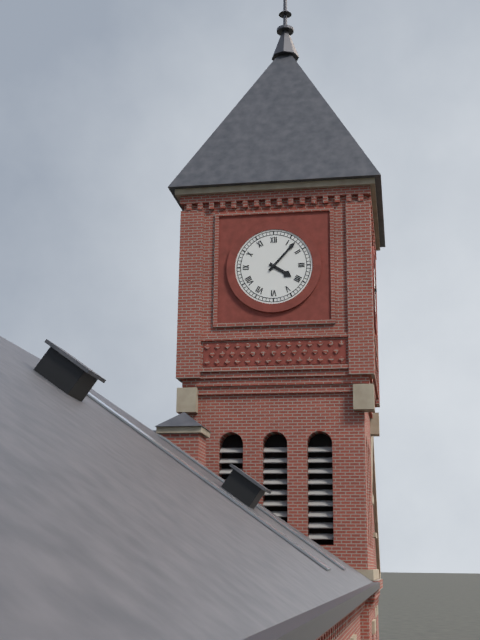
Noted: {"hour": 4, "minute": 7}
